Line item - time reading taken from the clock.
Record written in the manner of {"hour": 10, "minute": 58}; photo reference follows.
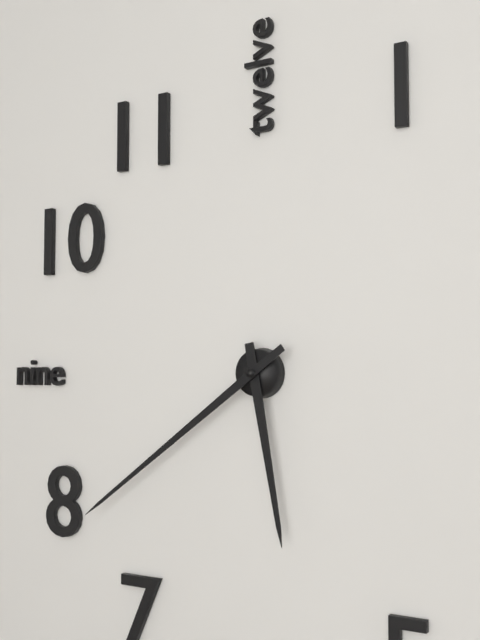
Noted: {"hour": 5, "minute": 39}
